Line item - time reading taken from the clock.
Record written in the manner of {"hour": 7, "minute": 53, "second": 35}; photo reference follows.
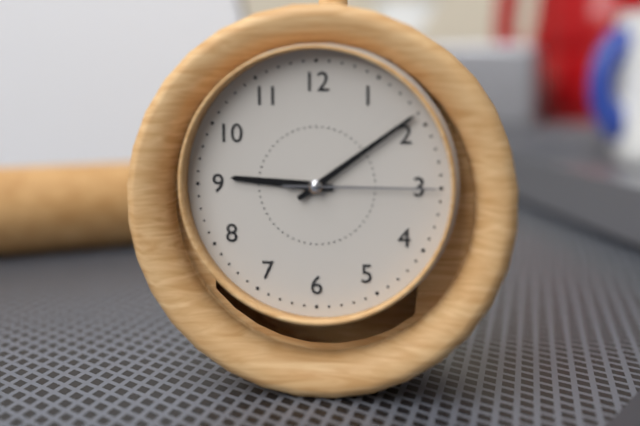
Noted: {"hour": 9, "minute": 9, "second": 15}
